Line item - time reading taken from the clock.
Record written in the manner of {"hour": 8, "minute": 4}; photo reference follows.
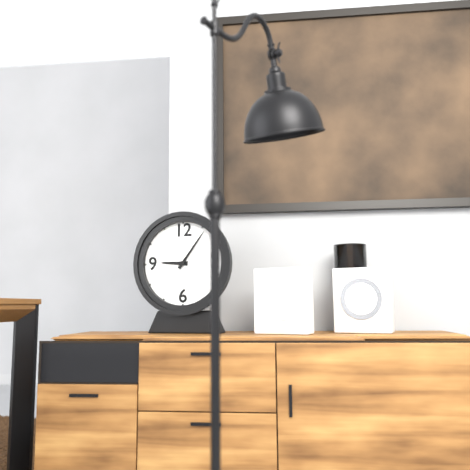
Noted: {"hour": 9, "minute": 6}
